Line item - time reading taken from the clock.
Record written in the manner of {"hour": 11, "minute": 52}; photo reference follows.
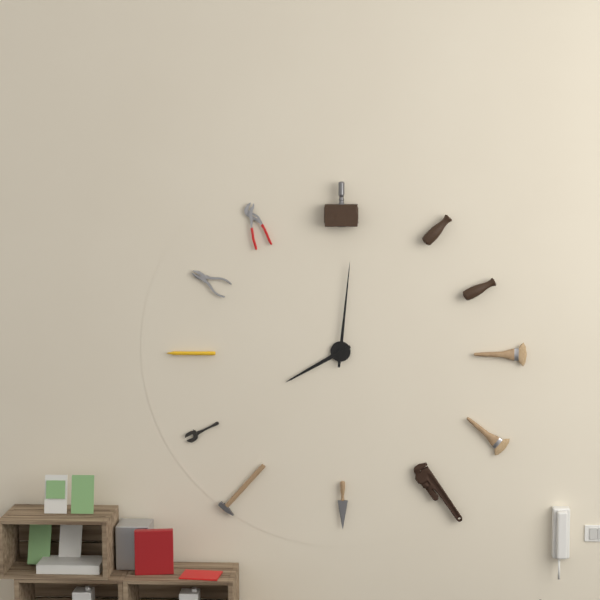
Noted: {"hour": 8, "minute": 1}
